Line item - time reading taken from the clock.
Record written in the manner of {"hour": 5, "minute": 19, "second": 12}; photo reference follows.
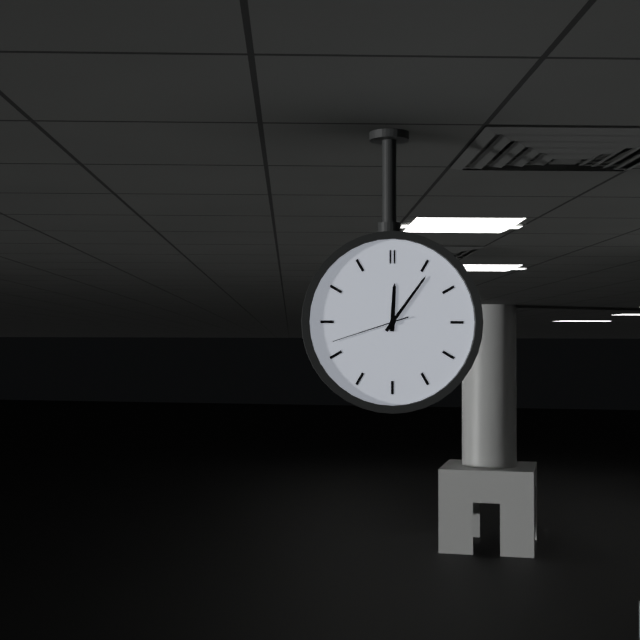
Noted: {"hour": 12, "minute": 6, "second": 42}
